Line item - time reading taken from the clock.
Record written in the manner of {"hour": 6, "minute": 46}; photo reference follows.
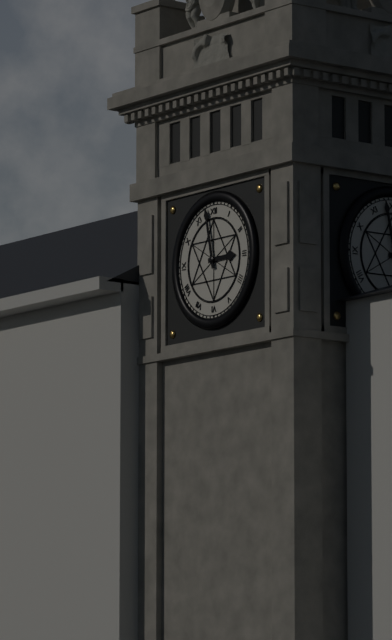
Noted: {"hour": 2, "minute": 58}
